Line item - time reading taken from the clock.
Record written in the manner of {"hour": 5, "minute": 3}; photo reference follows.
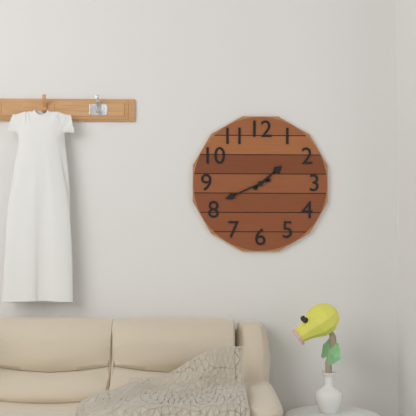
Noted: {"hour": 1, "minute": 41}
